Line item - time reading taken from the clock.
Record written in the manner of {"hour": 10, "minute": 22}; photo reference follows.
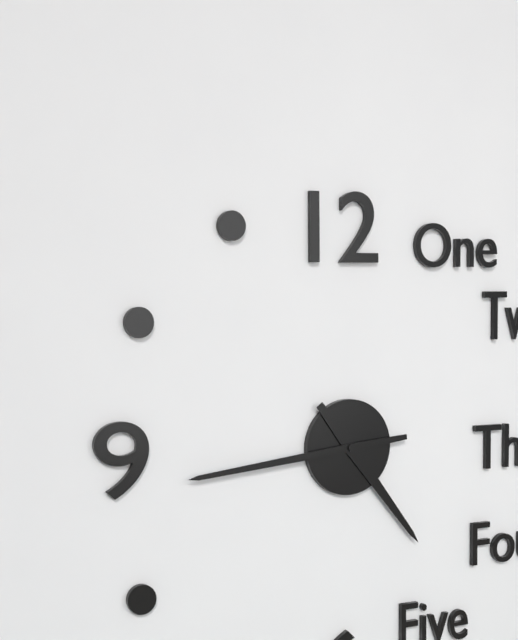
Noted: {"hour": 4, "minute": 44}
